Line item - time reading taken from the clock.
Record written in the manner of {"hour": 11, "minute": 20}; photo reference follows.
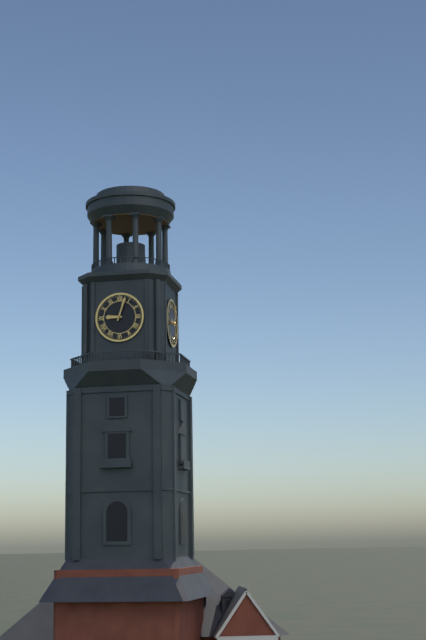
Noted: {"hour": 9, "minute": 3}
